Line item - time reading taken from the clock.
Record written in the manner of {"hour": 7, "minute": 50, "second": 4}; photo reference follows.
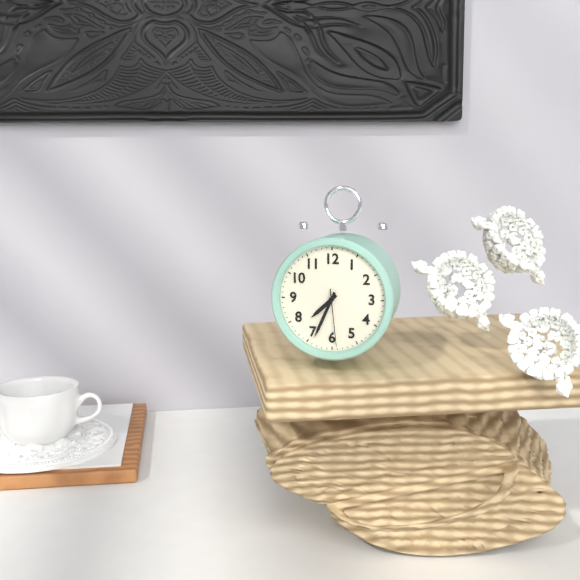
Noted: {"hour": 7, "minute": 34, "second": 29}
